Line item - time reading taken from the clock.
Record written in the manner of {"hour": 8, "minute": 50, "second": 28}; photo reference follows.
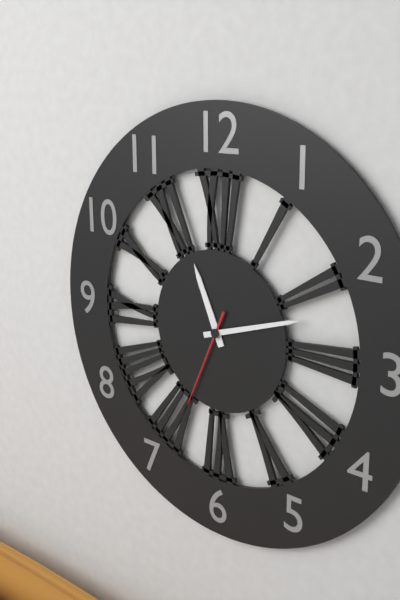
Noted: {"hour": 11, "minute": 12, "second": 34}
